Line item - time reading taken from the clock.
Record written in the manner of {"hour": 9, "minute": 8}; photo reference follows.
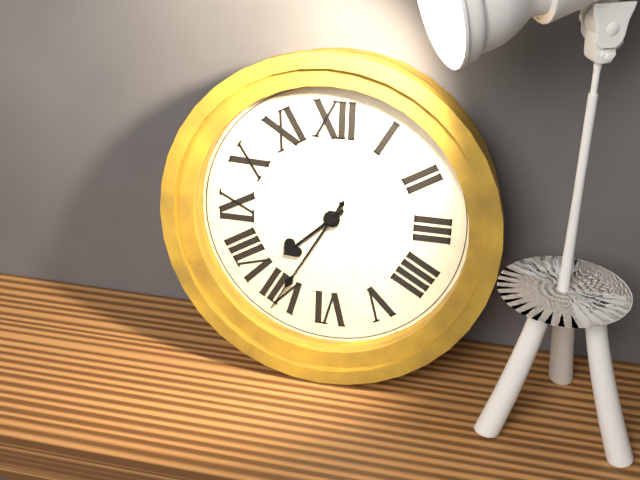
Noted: {"hour": 7, "minute": 35}
